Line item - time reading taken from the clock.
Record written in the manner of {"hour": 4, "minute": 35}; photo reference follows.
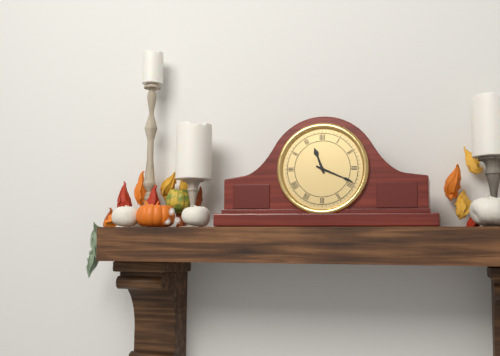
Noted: {"hour": 11, "minute": 19}
